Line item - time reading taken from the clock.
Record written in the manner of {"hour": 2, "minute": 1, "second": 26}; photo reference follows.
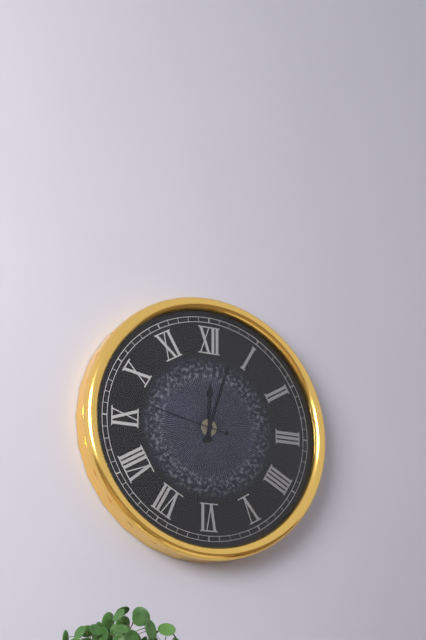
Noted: {"hour": 12, "minute": 3, "second": 47}
